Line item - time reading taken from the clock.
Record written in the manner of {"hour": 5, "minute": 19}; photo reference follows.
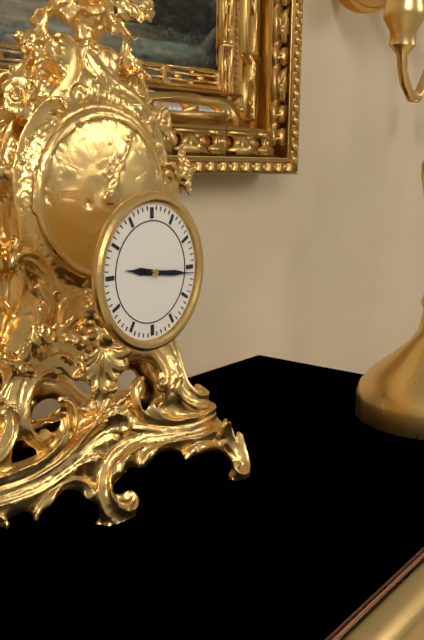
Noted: {"hour": 9, "minute": 16}
